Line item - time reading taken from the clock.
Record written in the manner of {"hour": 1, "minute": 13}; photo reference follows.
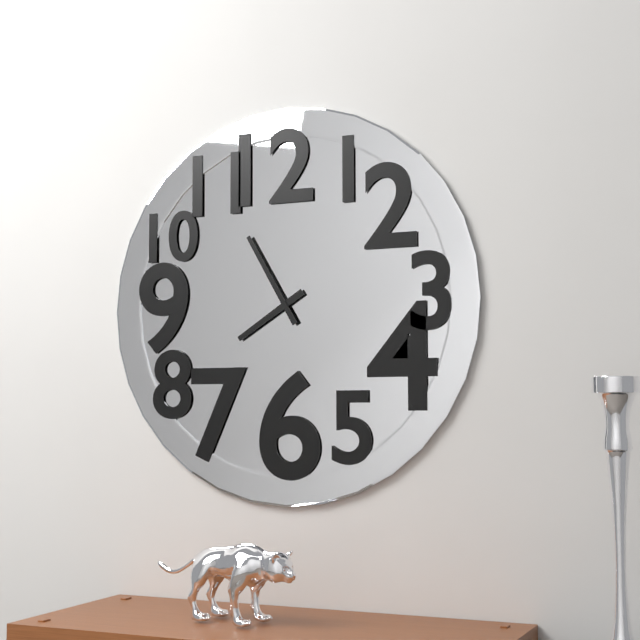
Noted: {"hour": 7, "minute": 55}
